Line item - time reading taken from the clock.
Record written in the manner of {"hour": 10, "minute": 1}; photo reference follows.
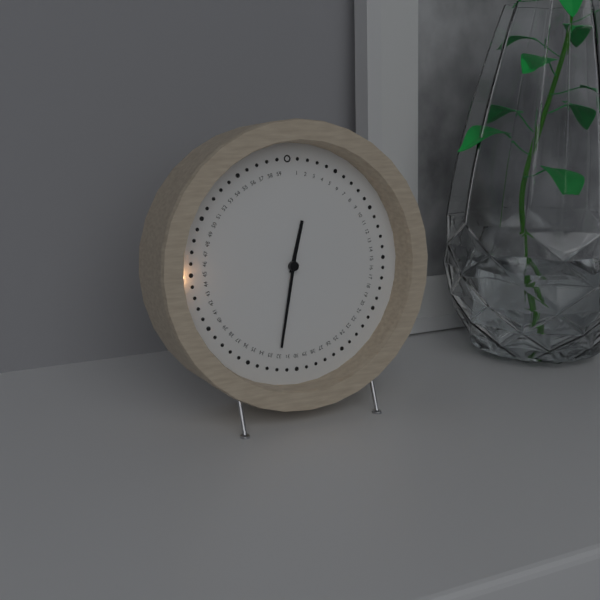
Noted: {"hour": 12, "minute": 32}
